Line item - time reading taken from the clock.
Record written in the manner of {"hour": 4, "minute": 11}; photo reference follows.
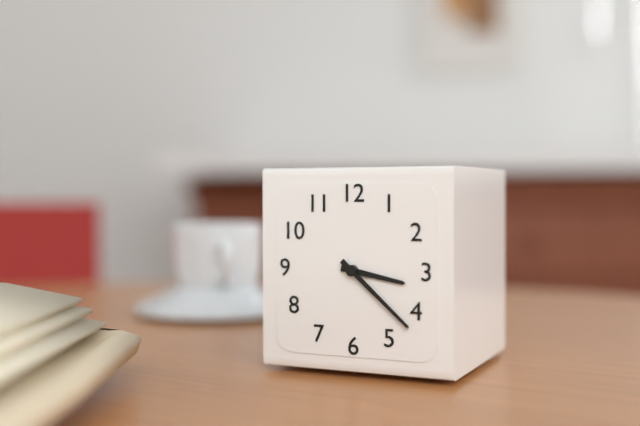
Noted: {"hour": 3, "minute": 22}
